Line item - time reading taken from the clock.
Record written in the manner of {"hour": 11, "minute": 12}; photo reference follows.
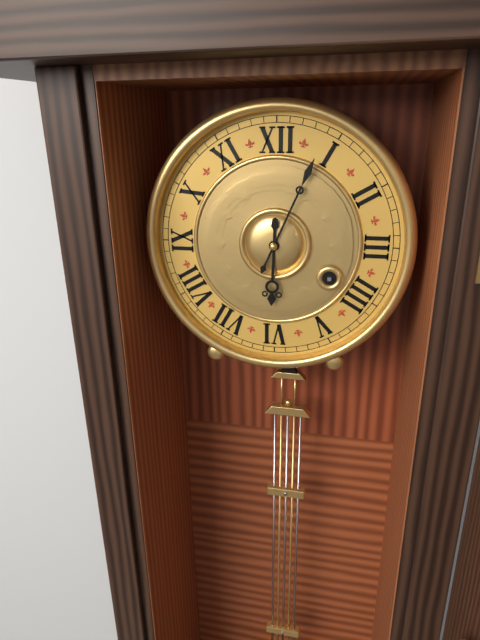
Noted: {"hour": 6, "minute": 4}
